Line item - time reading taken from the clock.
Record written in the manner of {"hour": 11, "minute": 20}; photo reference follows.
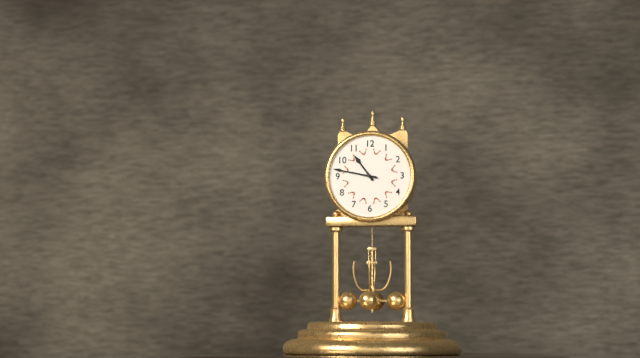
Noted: {"hour": 10, "minute": 47}
